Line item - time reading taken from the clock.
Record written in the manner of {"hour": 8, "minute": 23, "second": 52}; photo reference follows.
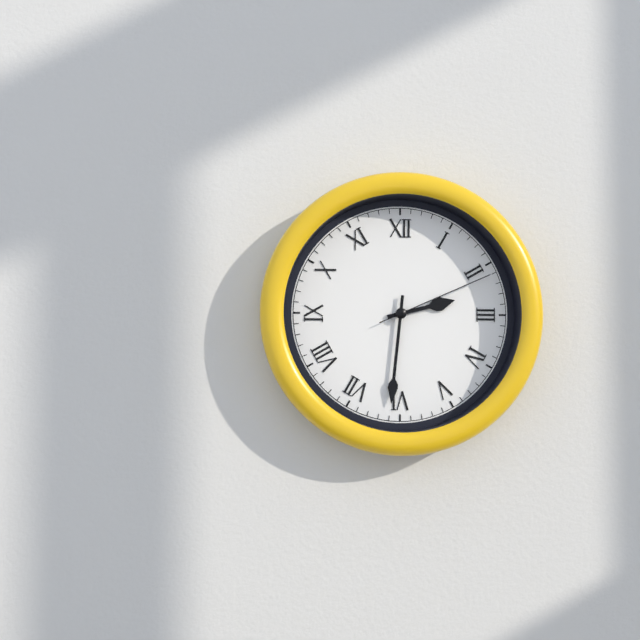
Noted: {"hour": 2, "minute": 31, "second": 11}
